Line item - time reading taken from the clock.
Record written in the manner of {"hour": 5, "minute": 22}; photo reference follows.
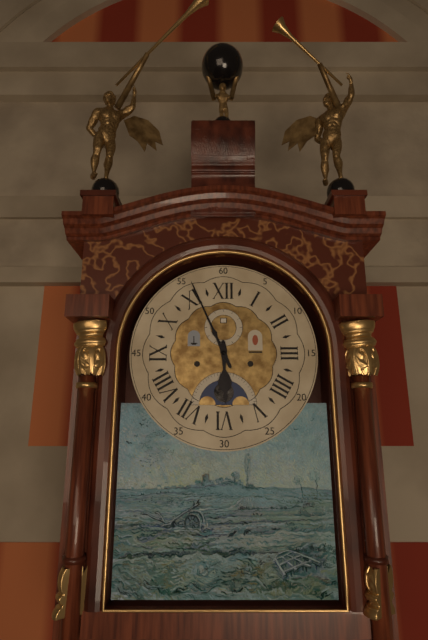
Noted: {"hour": 5, "minute": 56}
